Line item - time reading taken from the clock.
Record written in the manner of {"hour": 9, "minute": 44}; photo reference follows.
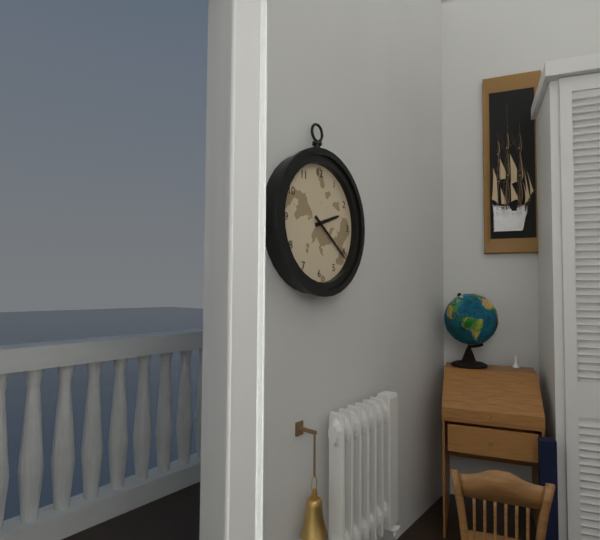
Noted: {"hour": 2, "minute": 21}
